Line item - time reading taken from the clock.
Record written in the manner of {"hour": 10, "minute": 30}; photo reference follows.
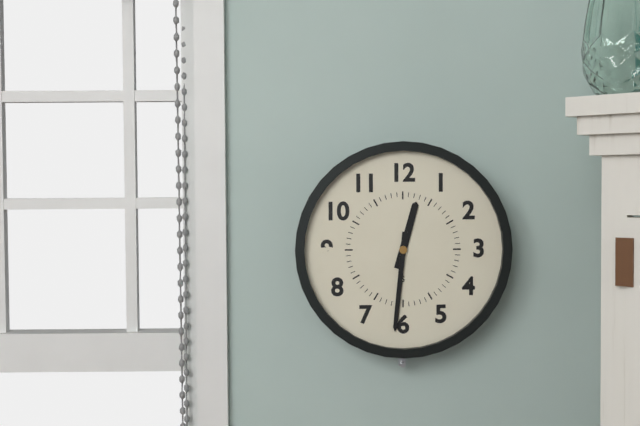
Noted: {"hour": 12, "minute": 31}
